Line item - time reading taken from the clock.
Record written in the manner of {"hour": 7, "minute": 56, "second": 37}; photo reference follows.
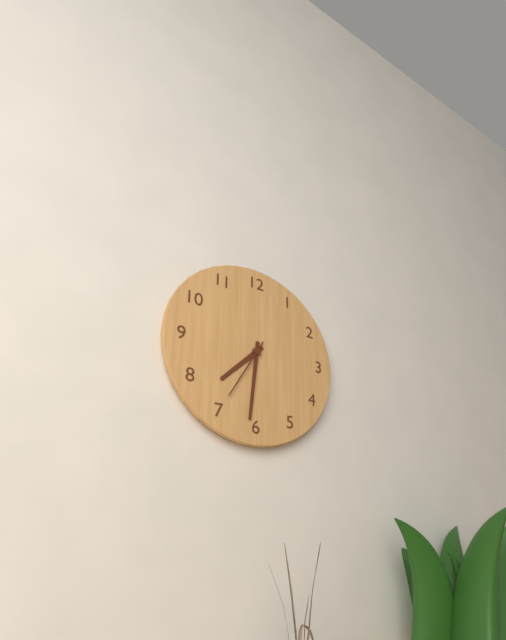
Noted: {"hour": 7, "minute": 31, "second": 35}
